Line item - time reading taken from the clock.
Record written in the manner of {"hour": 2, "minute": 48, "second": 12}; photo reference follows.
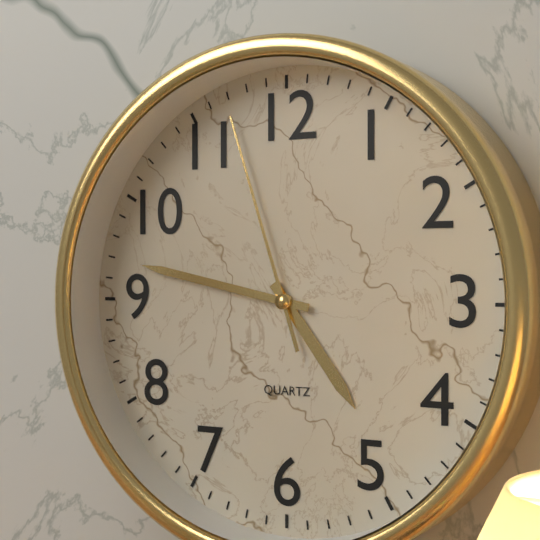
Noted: {"hour": 4, "minute": 47, "second": 57}
